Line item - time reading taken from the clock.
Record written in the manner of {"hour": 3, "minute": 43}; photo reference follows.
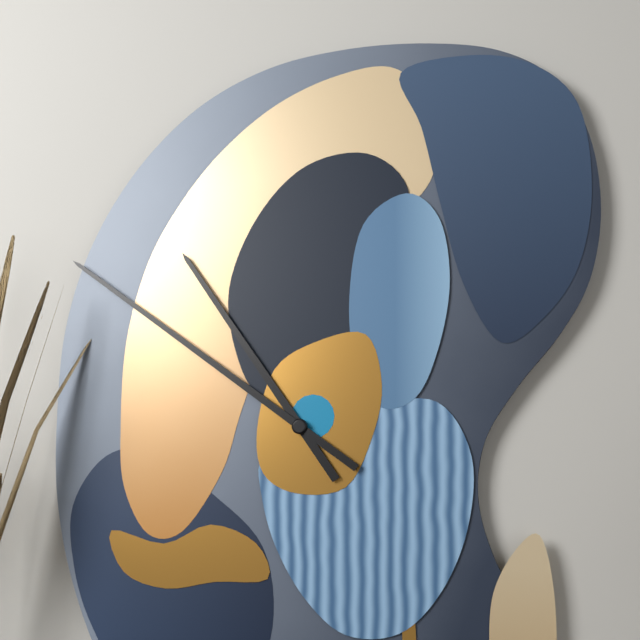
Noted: {"hour": 10, "minute": 51}
